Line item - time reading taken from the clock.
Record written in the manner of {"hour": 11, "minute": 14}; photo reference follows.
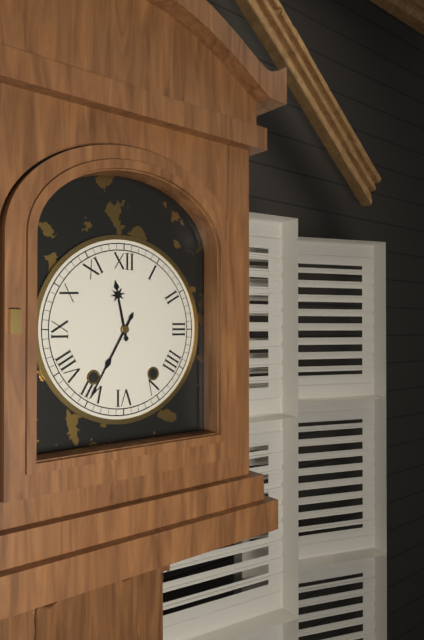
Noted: {"hour": 11, "minute": 35}
